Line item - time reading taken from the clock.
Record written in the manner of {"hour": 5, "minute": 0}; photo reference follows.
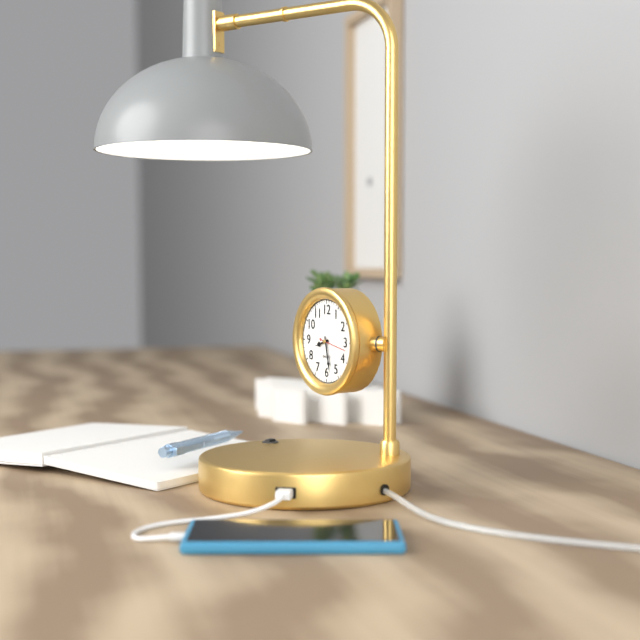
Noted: {"hour": 8, "minute": 28}
